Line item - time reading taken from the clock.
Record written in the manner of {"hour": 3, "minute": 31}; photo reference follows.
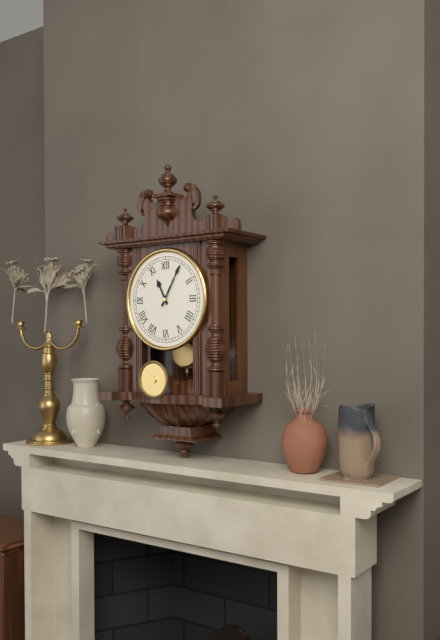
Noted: {"hour": 11, "minute": 5}
